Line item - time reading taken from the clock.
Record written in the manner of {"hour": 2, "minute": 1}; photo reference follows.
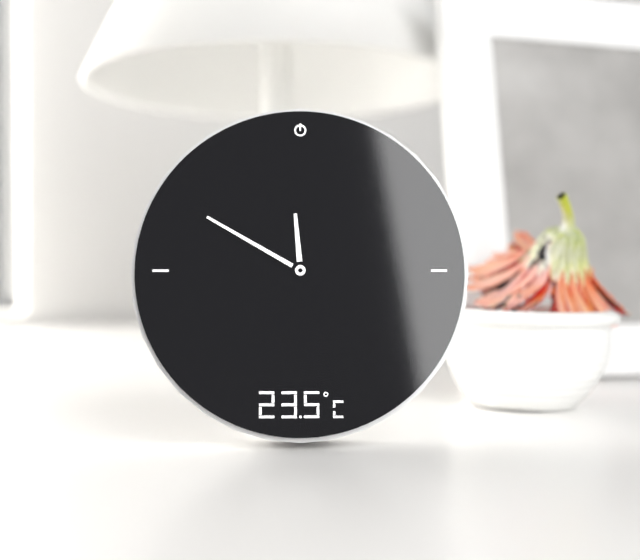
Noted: {"hour": 11, "minute": 50}
